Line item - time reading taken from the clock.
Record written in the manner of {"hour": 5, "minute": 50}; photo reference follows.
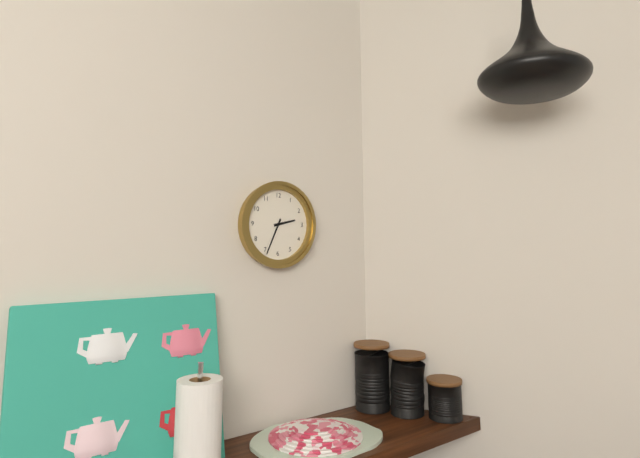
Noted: {"hour": 2, "minute": 34}
